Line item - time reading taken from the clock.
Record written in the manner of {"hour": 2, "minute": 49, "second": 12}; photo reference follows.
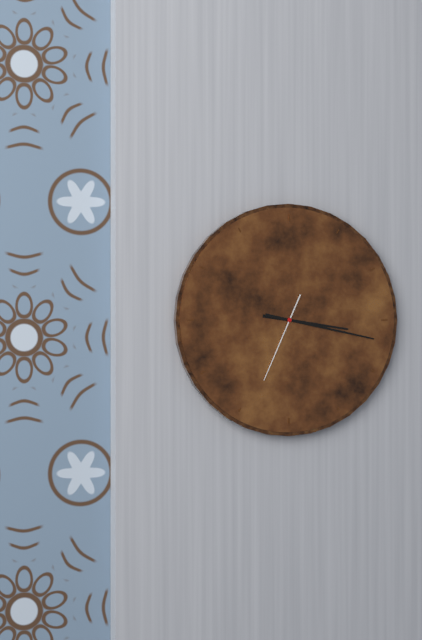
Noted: {"hour": 3, "minute": 17, "second": 34}
